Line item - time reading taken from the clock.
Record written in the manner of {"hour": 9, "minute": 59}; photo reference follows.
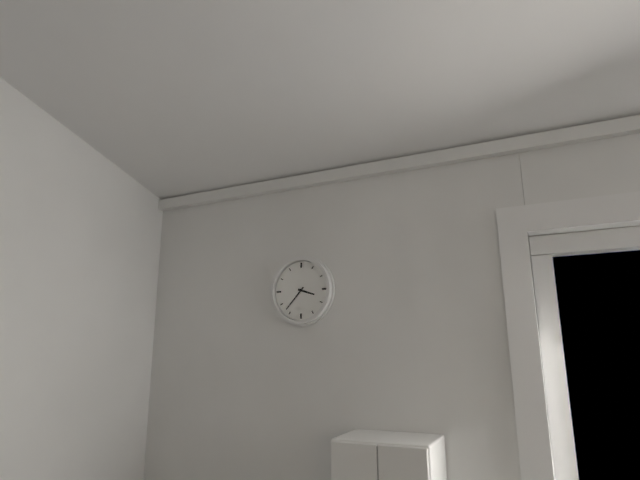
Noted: {"hour": 3, "minute": 37}
